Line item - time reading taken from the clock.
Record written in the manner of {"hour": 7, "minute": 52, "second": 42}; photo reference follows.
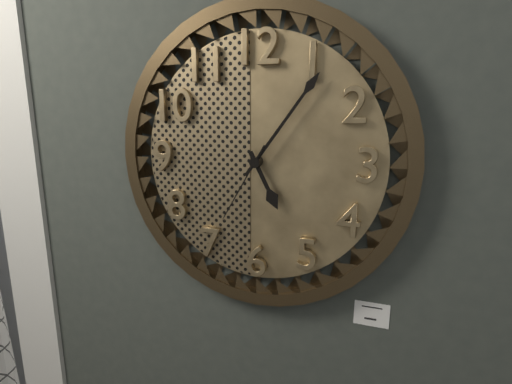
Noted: {"hour": 5, "minute": 6, "second": 35}
